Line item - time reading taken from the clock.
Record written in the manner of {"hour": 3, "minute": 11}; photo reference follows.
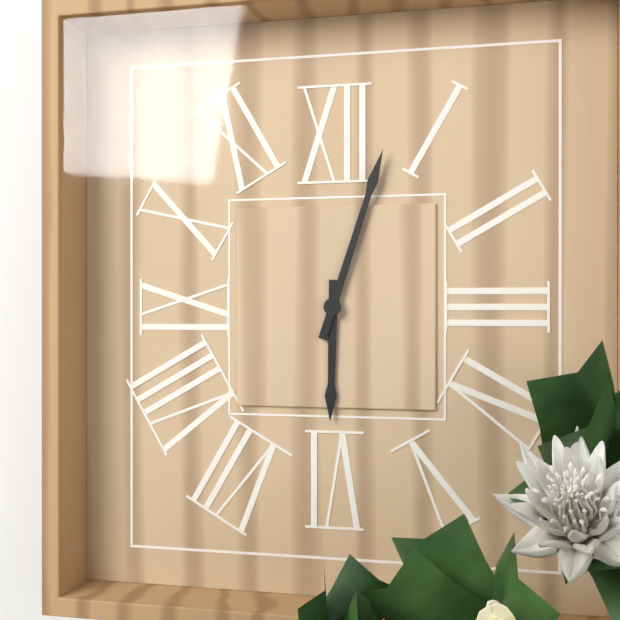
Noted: {"hour": 6, "minute": 3}
